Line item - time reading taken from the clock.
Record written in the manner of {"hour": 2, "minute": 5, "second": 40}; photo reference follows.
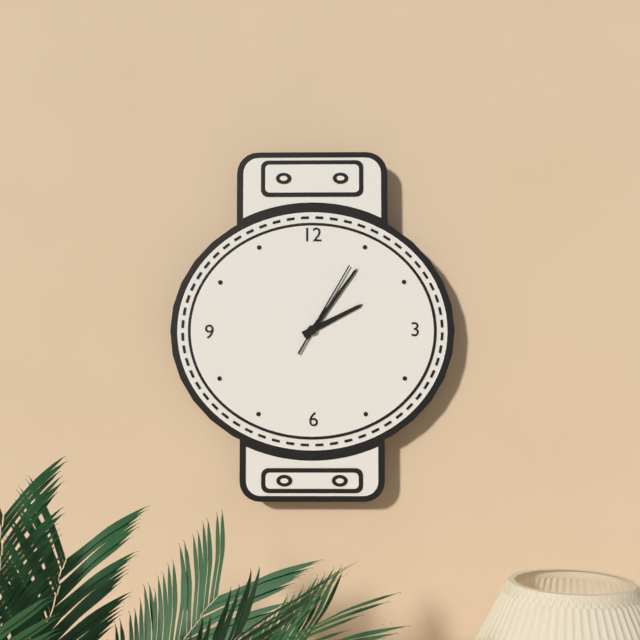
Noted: {"hour": 2, "minute": 6, "second": 5}
